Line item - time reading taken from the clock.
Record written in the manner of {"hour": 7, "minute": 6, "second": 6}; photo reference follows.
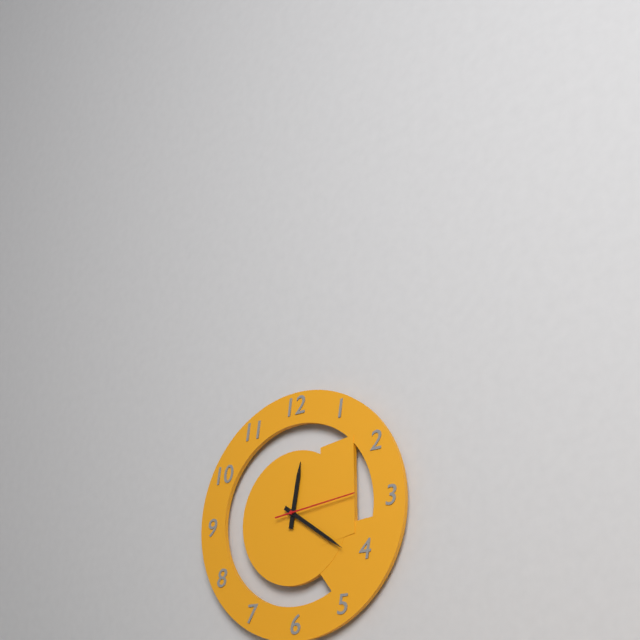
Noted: {"hour": 12, "minute": 21, "second": 14}
